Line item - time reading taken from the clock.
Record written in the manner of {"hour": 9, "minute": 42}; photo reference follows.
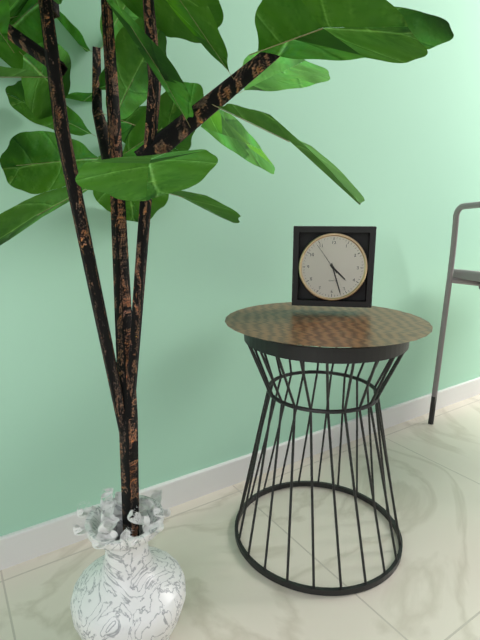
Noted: {"hour": 4, "minute": 27}
